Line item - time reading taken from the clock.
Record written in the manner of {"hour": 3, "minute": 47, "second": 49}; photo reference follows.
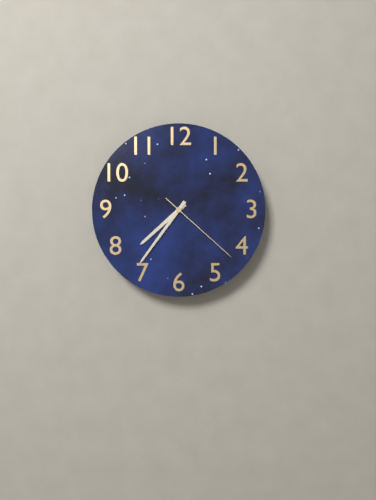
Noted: {"hour": 7, "minute": 36, "second": 22}
